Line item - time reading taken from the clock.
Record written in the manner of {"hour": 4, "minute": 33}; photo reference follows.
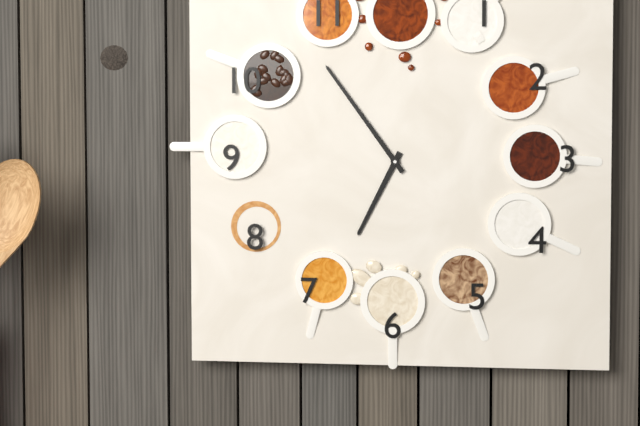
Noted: {"hour": 6, "minute": 54}
